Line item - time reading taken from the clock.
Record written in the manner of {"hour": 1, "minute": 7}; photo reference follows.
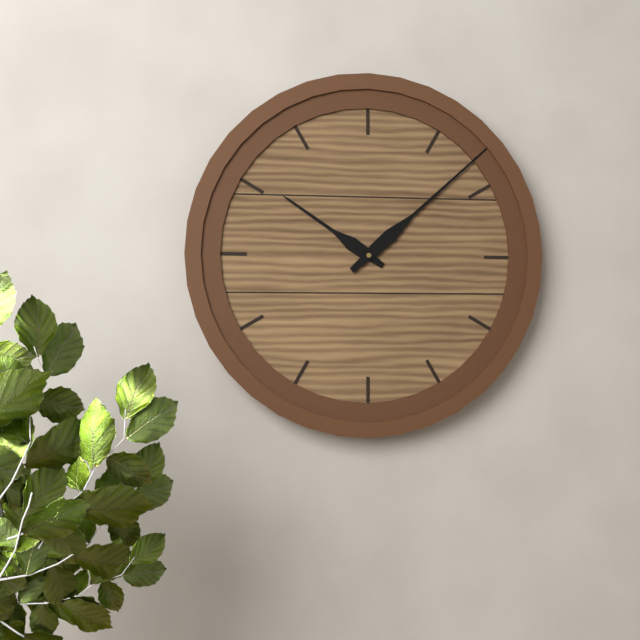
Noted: {"hour": 10, "minute": 8}
